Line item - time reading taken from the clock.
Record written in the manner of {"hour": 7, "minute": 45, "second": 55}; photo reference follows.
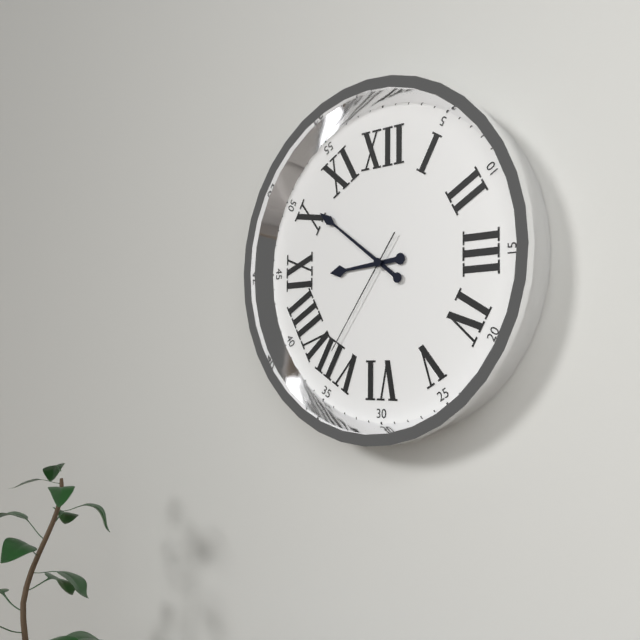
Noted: {"hour": 8, "minute": 51, "second": 36}
